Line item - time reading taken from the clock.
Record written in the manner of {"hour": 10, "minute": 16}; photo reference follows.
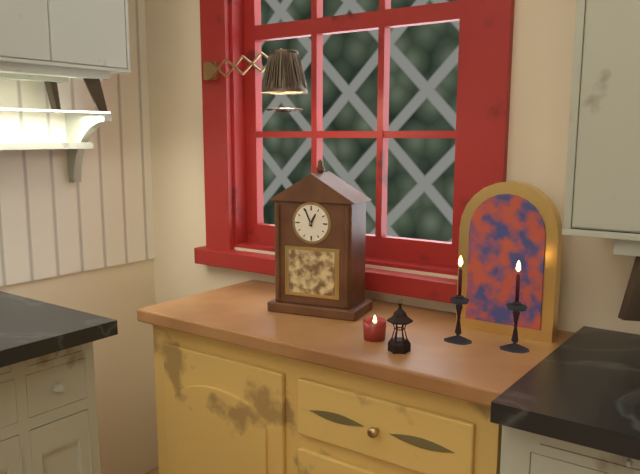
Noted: {"hour": 12, "minute": 56}
